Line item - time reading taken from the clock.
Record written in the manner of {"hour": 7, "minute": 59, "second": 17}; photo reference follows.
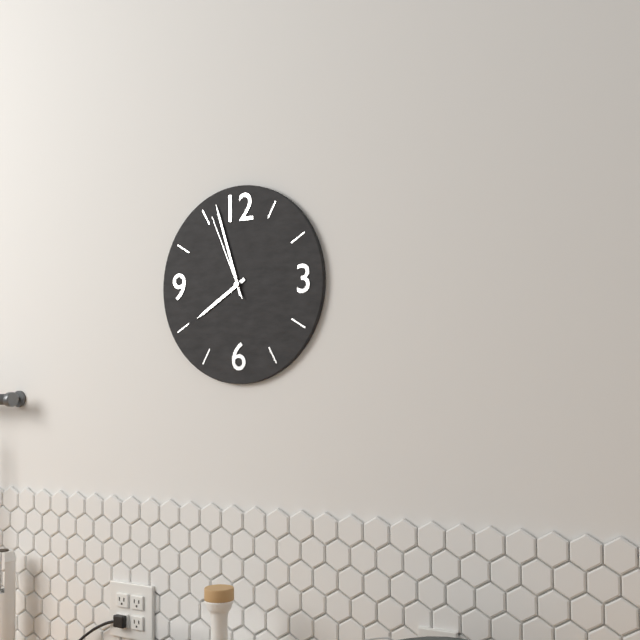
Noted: {"hour": 7, "minute": 57, "second": 56}
